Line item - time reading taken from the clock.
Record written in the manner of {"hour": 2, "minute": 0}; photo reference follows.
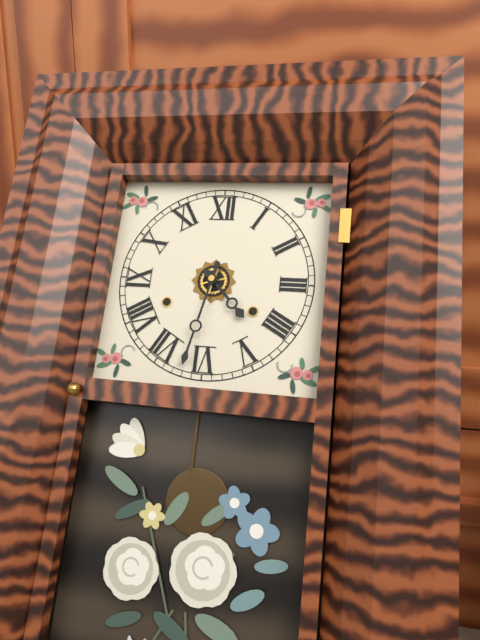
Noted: {"hour": 4, "minute": 32}
